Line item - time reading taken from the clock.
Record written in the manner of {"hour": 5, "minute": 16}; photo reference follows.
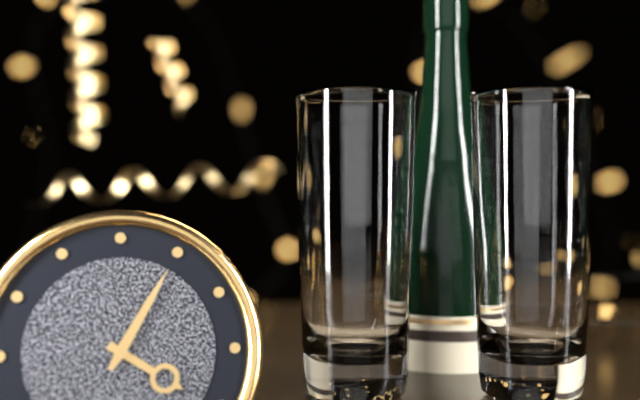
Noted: {"hour": 4, "minute": 5}
